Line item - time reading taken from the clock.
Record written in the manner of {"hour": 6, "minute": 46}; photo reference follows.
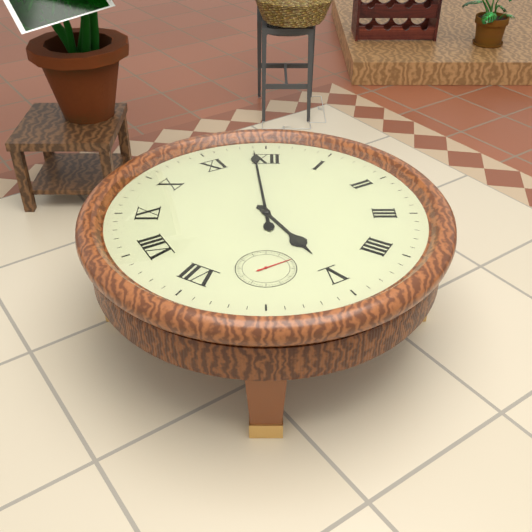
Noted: {"hour": 4, "minute": 59}
